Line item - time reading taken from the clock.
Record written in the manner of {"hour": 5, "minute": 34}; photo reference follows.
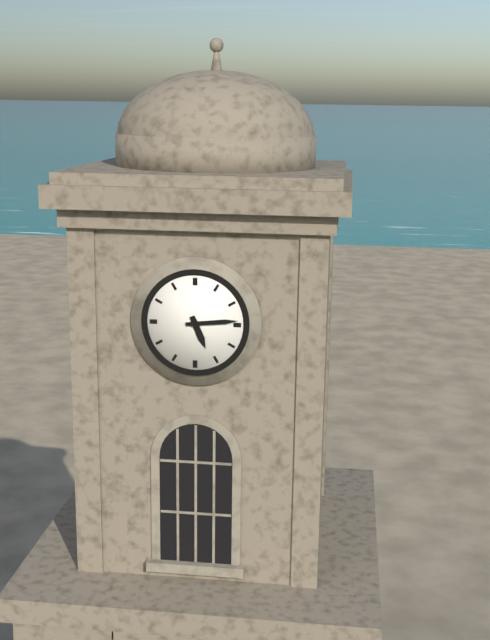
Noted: {"hour": 5, "minute": 14}
